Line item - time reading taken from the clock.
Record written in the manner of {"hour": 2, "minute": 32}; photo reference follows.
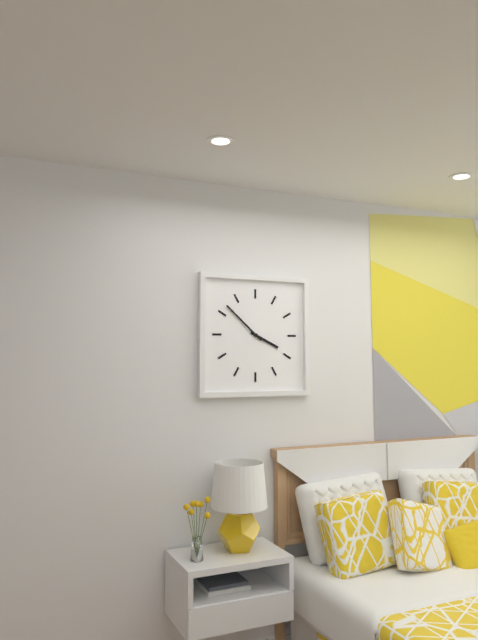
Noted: {"hour": 3, "minute": 52}
